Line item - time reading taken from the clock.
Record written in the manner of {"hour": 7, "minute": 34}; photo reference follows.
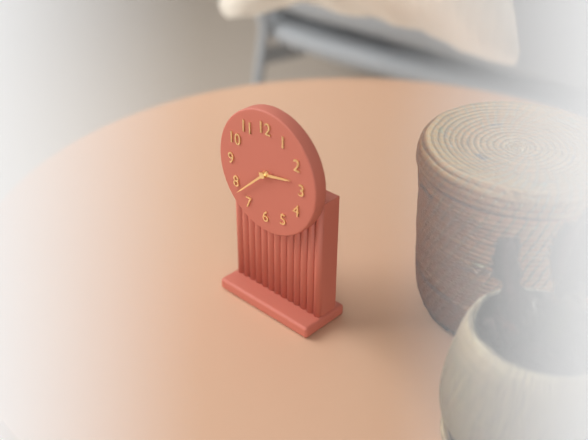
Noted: {"hour": 2, "minute": 38}
